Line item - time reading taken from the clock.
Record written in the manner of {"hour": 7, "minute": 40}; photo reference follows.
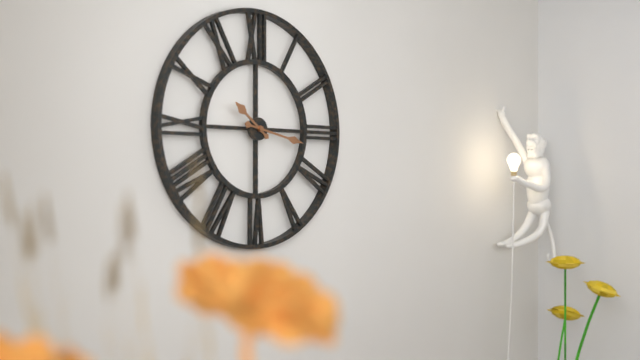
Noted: {"hour": 10, "minute": 17}
